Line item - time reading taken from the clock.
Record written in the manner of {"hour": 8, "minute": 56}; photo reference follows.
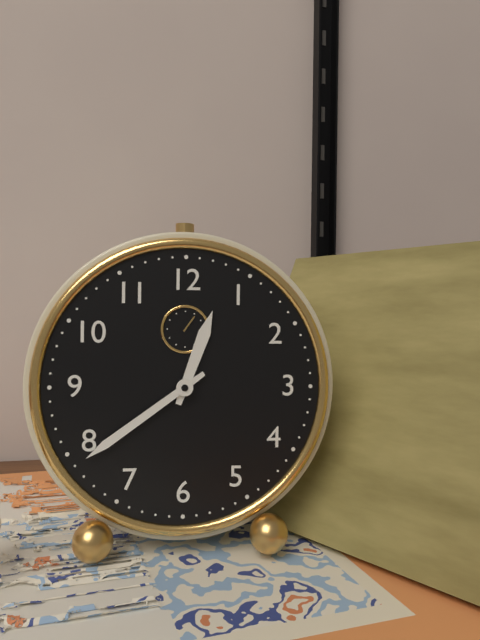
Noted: {"hour": 12, "minute": 39}
